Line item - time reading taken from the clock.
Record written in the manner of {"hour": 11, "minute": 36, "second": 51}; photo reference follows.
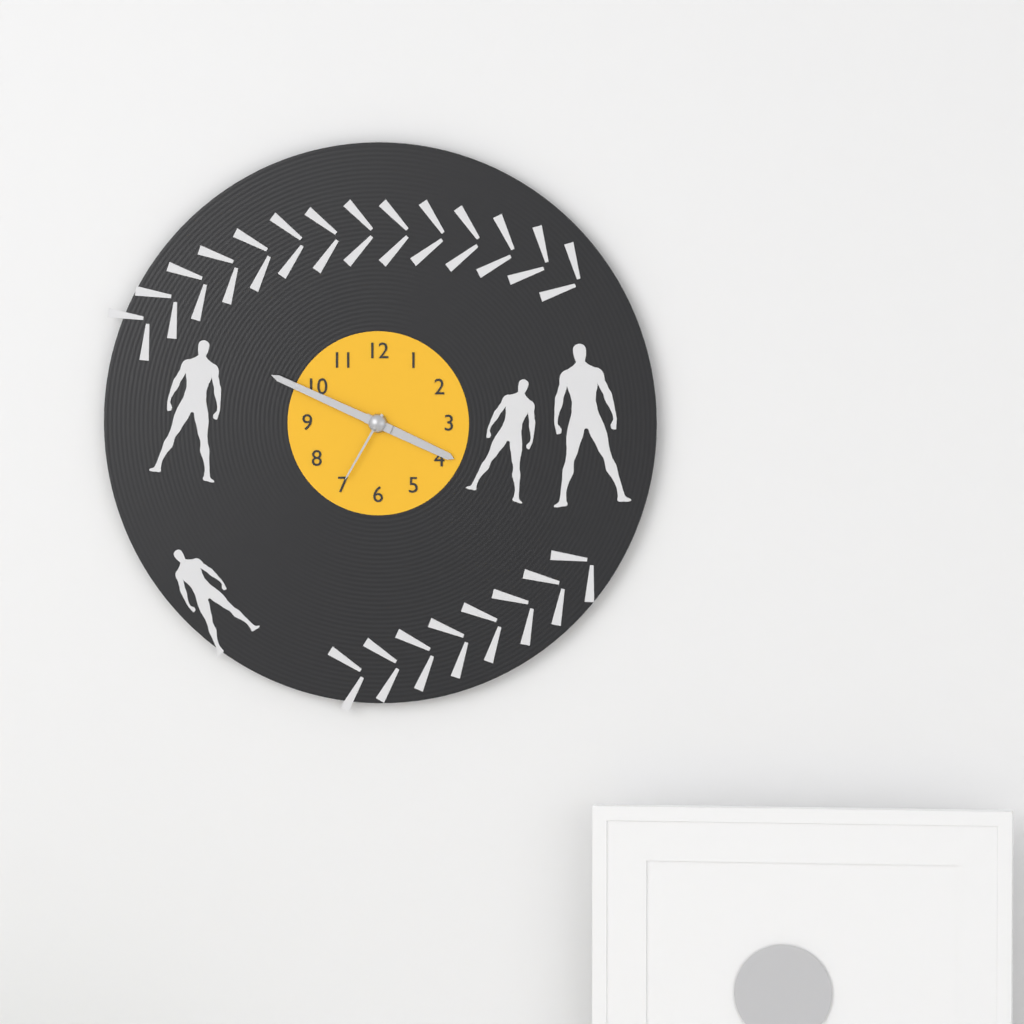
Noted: {"hour": 3, "minute": 49, "second": 35}
